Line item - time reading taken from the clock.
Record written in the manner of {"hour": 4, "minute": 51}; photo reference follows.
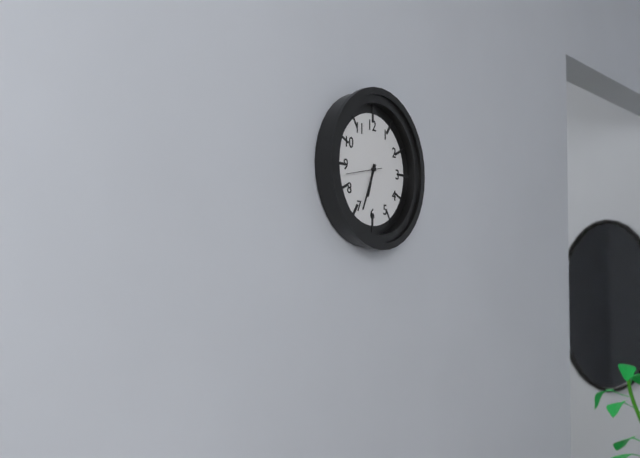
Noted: {"hour": 6, "minute": 34}
